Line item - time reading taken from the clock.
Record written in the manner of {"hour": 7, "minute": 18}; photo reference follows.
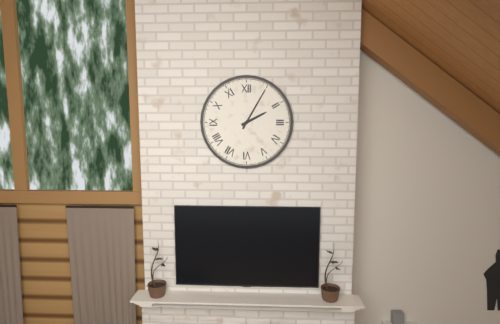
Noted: {"hour": 2, "minute": 5}
